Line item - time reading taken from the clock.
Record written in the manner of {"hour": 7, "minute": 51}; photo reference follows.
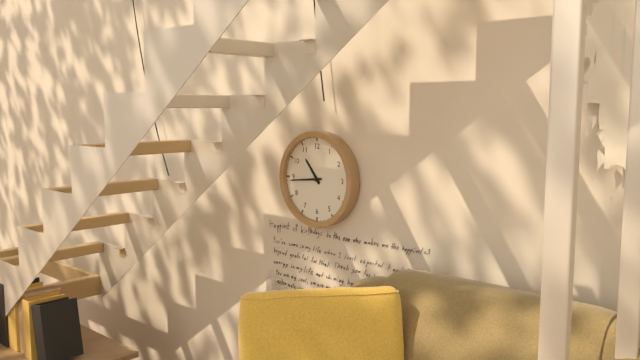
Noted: {"hour": 10, "minute": 44}
